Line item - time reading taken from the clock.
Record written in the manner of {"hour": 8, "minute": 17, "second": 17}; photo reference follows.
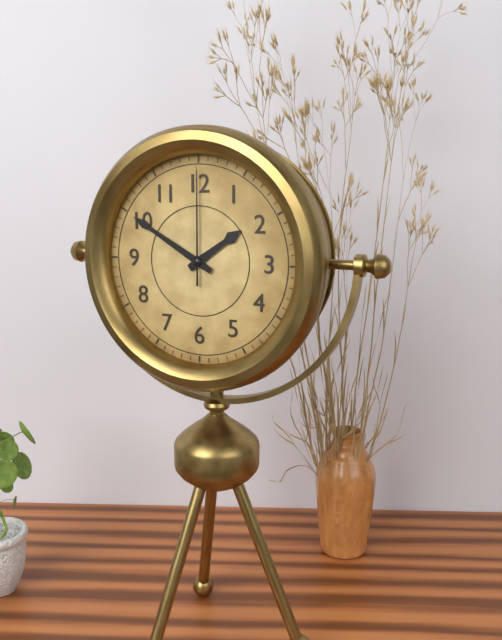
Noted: {"hour": 1, "minute": 50, "second": 0}
